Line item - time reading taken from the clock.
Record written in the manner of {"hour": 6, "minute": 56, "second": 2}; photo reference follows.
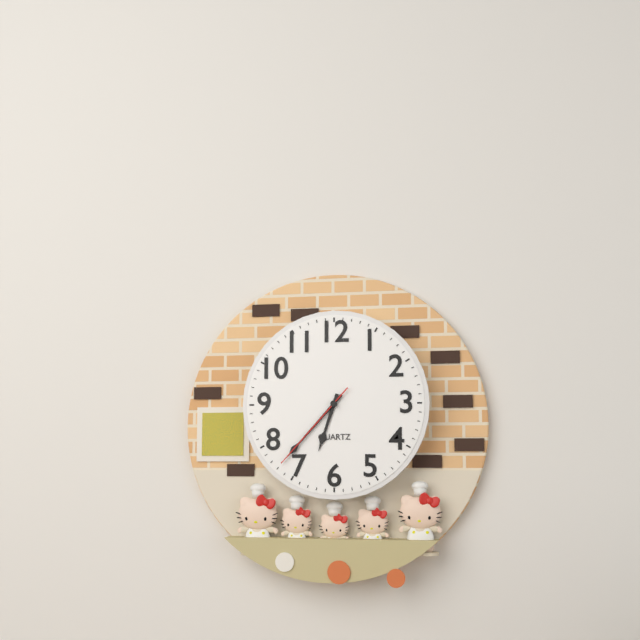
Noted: {"hour": 6, "minute": 37, "second": 37}
